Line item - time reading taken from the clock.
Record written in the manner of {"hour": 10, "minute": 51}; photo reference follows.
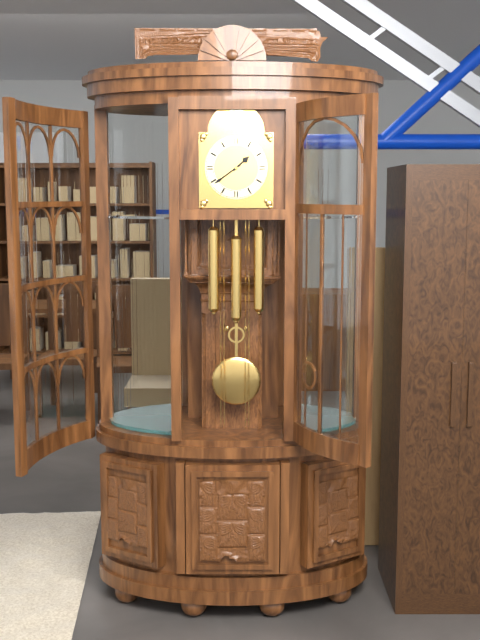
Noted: {"hour": 1, "minute": 39}
